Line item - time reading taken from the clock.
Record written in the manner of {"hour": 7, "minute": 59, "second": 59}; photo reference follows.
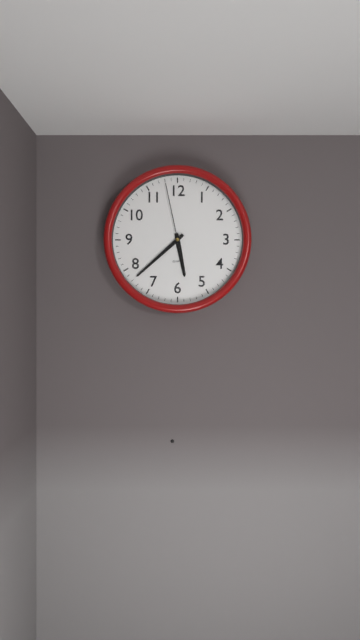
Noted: {"hour": 5, "minute": 38, "second": 58}
